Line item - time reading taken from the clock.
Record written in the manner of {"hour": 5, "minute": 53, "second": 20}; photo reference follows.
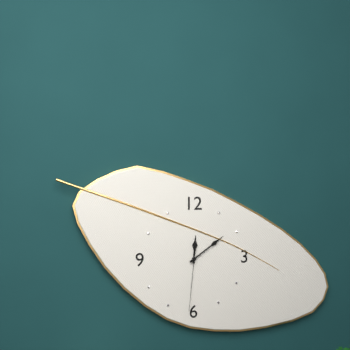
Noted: {"hour": 12, "minute": 9, "second": 31}
